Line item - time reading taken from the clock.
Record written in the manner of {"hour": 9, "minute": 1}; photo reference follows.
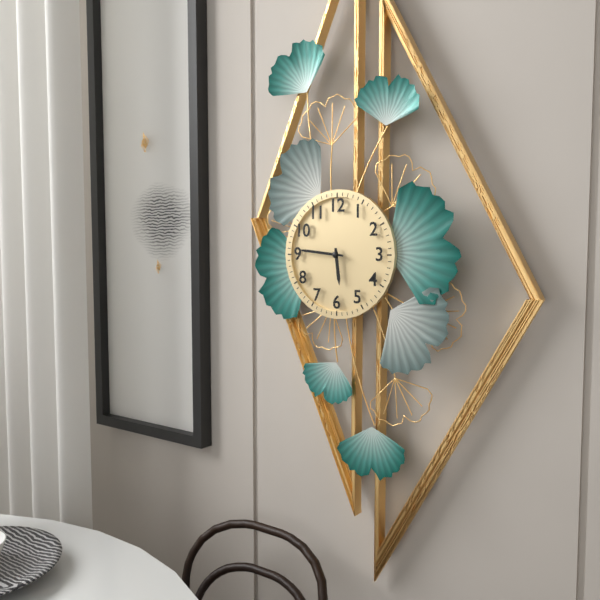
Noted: {"hour": 5, "minute": 46}
